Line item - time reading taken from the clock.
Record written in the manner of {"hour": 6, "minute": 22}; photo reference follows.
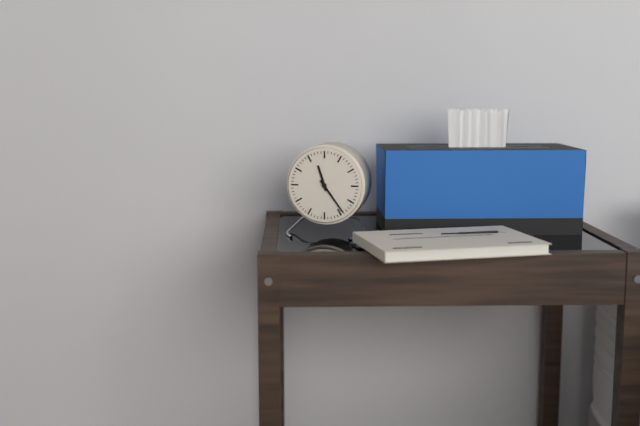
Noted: {"hour": 11, "minute": 24}
